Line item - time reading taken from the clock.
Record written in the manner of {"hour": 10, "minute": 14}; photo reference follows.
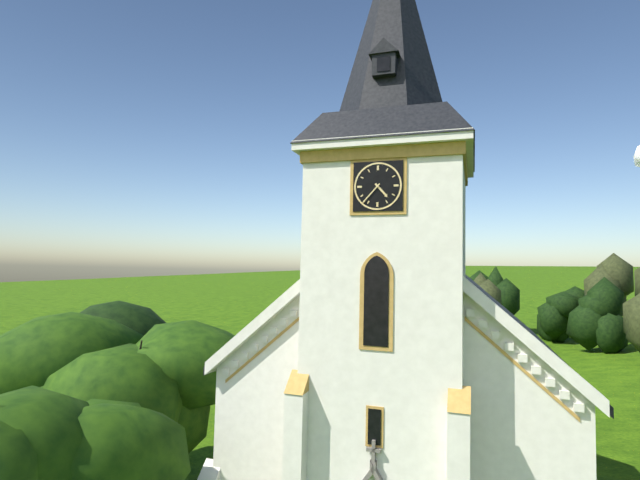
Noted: {"hour": 4, "minute": 37}
